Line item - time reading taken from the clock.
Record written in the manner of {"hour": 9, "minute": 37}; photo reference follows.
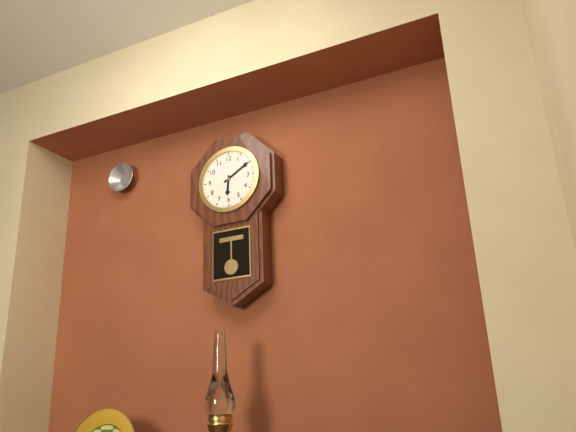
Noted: {"hour": 6, "minute": 10}
